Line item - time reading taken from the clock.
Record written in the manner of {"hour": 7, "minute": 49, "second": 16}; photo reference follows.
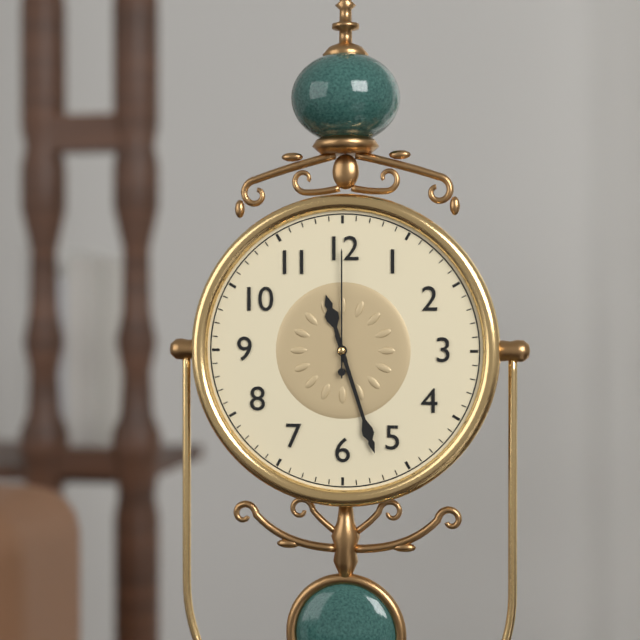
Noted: {"hour": 11, "minute": 27, "second": 0}
